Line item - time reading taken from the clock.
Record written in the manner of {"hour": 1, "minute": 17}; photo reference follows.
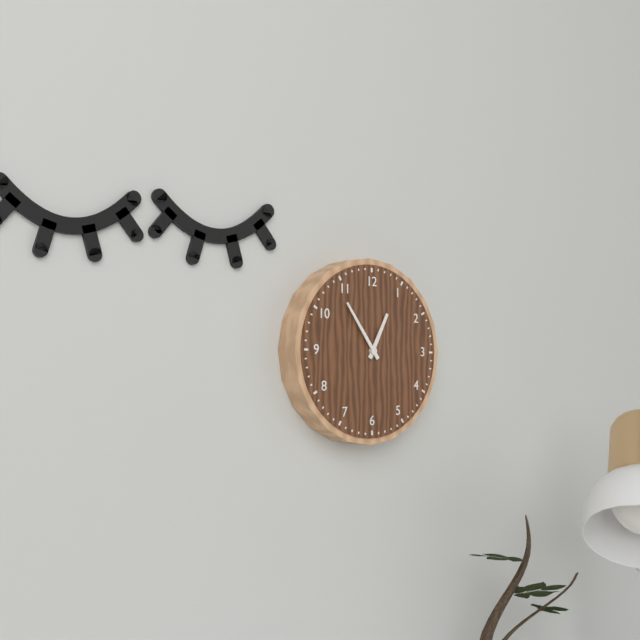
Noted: {"hour": 12, "minute": 54}
